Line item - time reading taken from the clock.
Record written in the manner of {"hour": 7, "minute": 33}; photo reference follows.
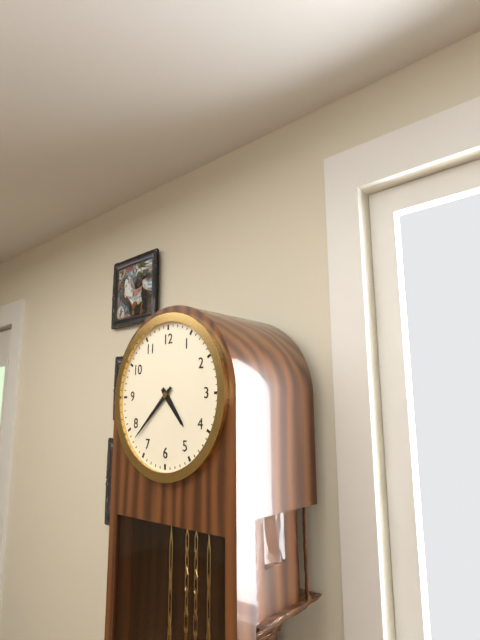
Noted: {"hour": 4, "minute": 38}
